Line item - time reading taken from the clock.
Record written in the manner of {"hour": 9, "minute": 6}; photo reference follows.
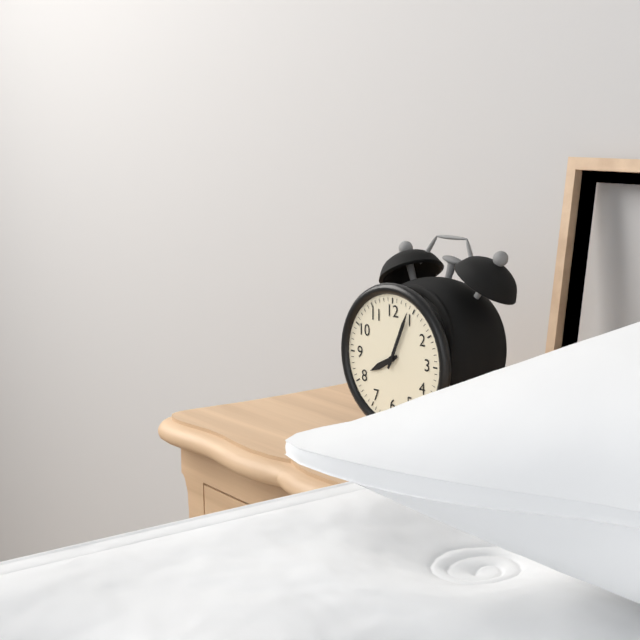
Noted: {"hour": 8, "minute": 4}
